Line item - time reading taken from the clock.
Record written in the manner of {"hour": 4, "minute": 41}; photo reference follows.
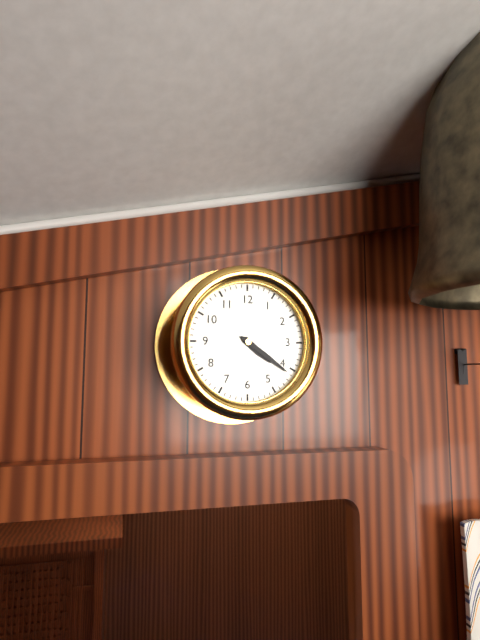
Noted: {"hour": 4, "minute": 21}
